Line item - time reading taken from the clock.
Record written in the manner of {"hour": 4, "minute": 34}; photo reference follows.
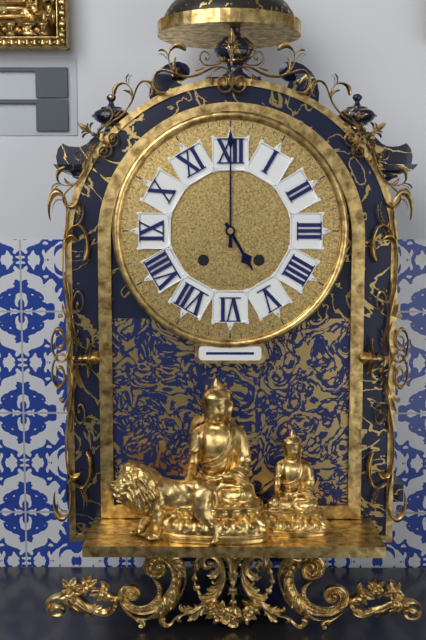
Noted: {"hour": 5, "minute": 0}
